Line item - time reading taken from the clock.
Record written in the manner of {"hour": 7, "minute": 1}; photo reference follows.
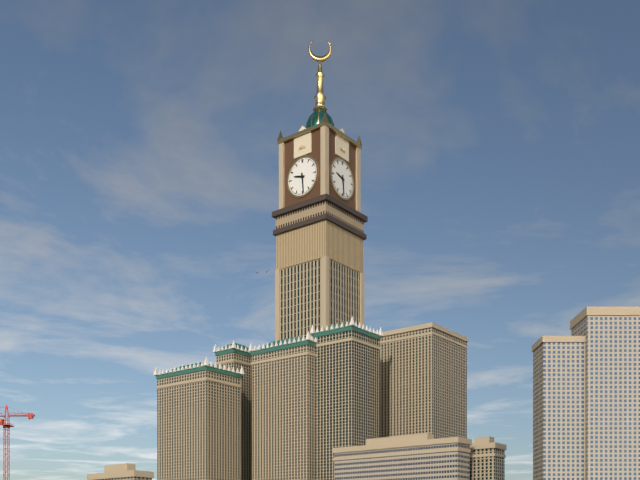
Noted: {"hour": 9, "minute": 29}
